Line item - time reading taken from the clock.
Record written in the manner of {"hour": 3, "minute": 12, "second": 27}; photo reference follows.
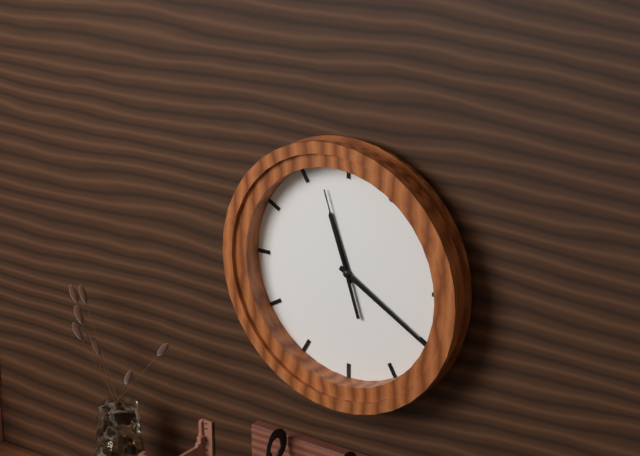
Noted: {"hour": 11, "minute": 20, "second": 57}
